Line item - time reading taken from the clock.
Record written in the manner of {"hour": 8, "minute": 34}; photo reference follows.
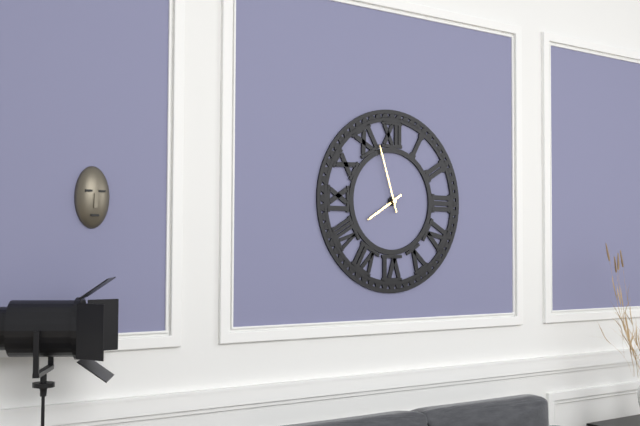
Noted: {"hour": 7, "minute": 57}
